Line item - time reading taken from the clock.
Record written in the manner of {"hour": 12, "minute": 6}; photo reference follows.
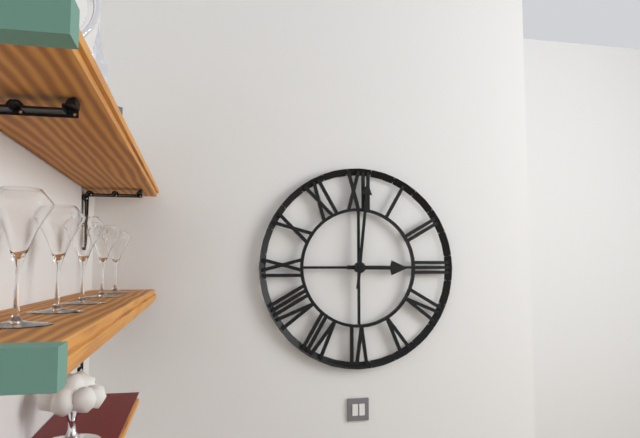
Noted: {"hour": 3, "minute": 1}
